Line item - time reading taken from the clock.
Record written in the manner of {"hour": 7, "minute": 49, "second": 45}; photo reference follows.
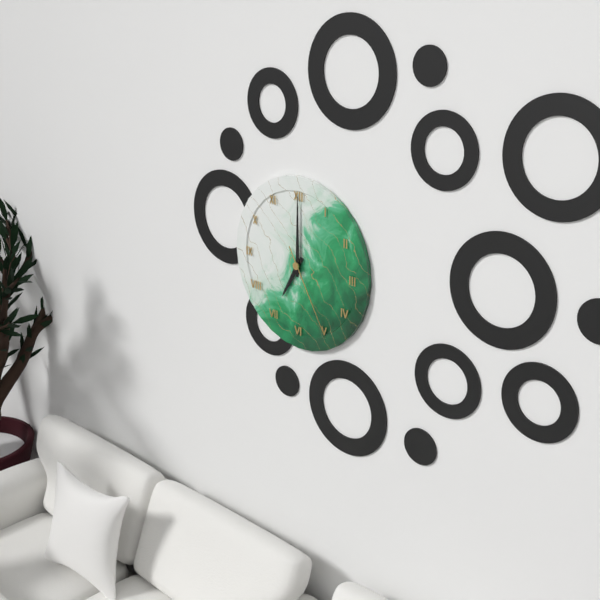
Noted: {"hour": 7, "minute": 0, "second": 25}
